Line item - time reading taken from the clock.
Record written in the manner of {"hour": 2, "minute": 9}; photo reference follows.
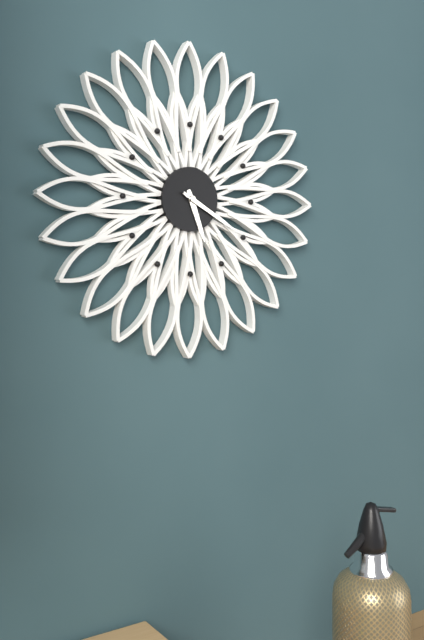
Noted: {"hour": 5, "minute": 20}
